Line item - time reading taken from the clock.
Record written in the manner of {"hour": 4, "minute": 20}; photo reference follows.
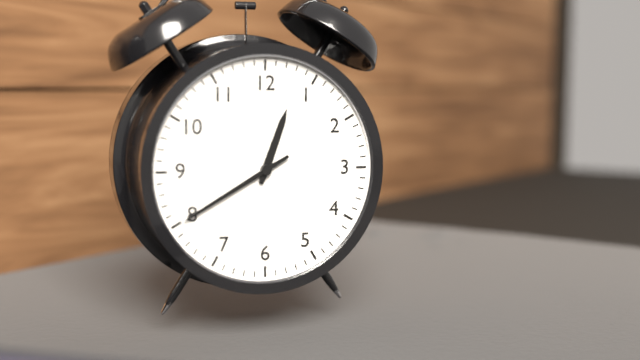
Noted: {"hour": 12, "minute": 40}
